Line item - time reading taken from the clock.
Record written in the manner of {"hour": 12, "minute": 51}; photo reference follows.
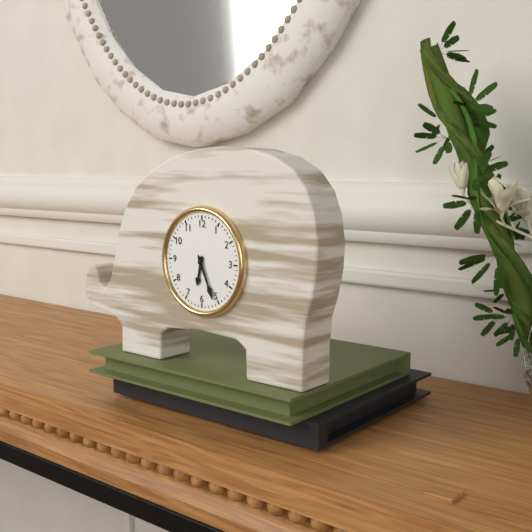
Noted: {"hour": 6, "minute": 26}
